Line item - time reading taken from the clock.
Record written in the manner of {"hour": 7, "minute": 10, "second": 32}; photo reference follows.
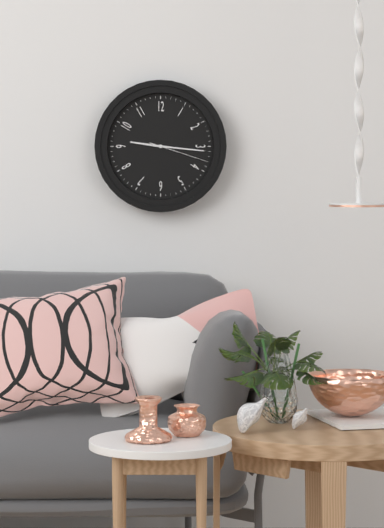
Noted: {"hour": 9, "minute": 16, "second": 18}
